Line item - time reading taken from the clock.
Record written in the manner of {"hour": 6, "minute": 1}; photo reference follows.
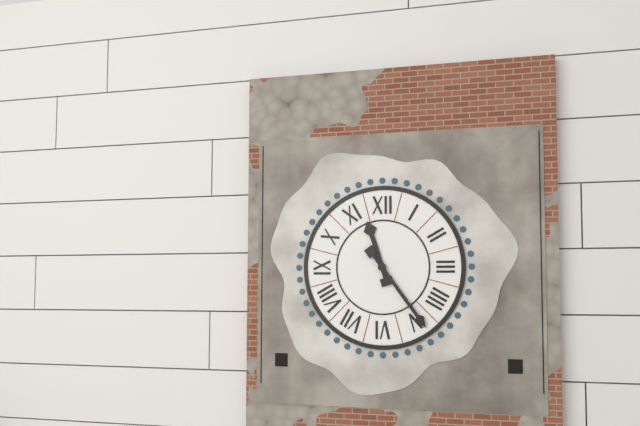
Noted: {"hour": 11, "minute": 24}
